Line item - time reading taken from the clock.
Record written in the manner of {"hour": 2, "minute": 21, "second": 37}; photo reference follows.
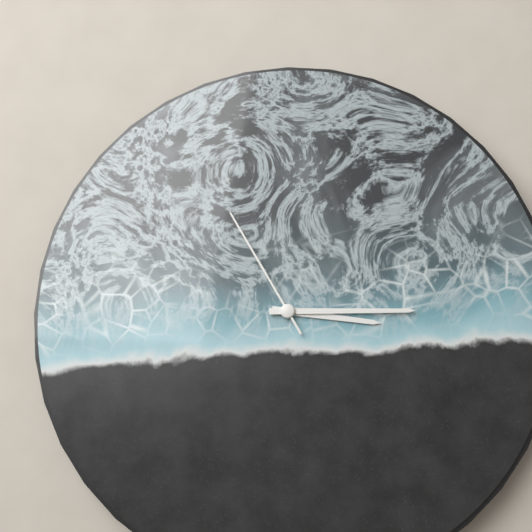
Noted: {"hour": 3, "minute": 15, "second": 55}
